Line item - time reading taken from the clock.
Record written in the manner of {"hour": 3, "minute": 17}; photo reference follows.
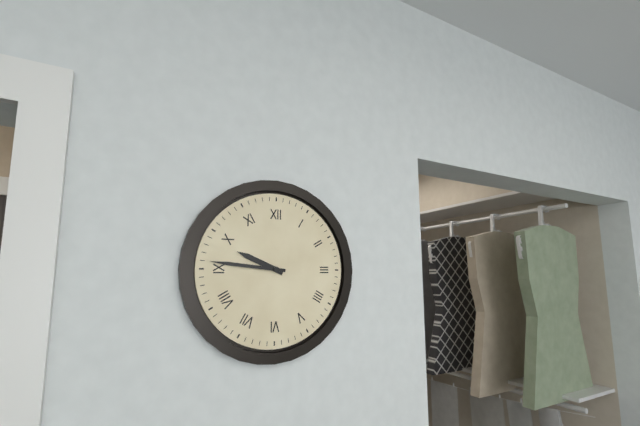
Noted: {"hour": 9, "minute": 46}
